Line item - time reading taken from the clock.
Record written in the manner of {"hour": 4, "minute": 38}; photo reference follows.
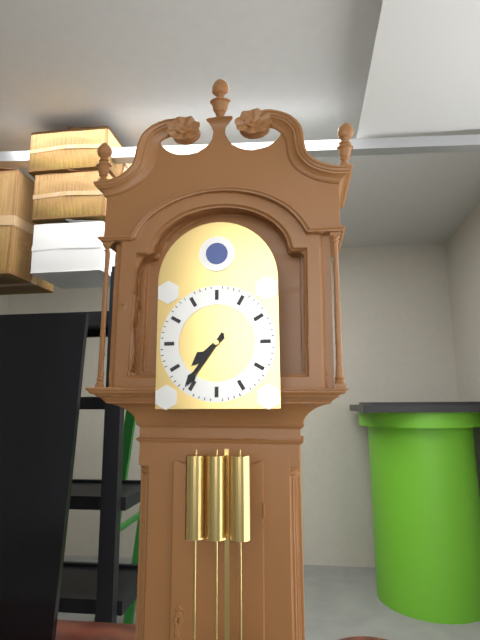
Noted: {"hour": 7, "minute": 36}
